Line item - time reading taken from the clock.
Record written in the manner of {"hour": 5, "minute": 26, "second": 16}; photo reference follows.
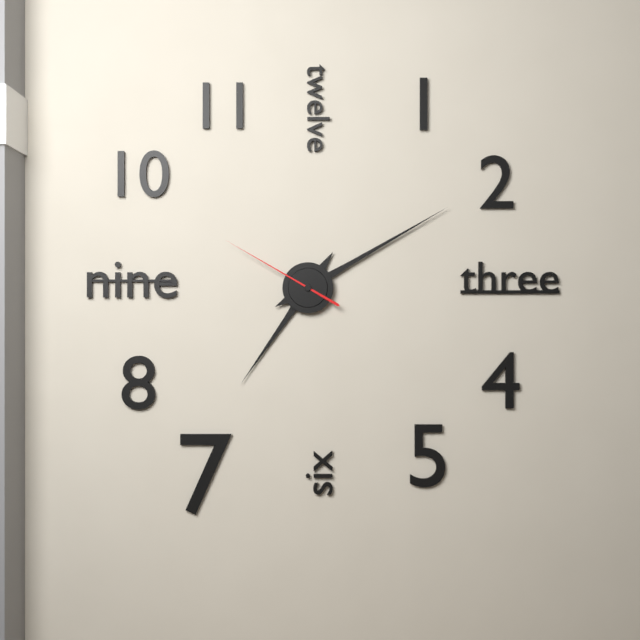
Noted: {"hour": 7, "minute": 10, "second": 50}
